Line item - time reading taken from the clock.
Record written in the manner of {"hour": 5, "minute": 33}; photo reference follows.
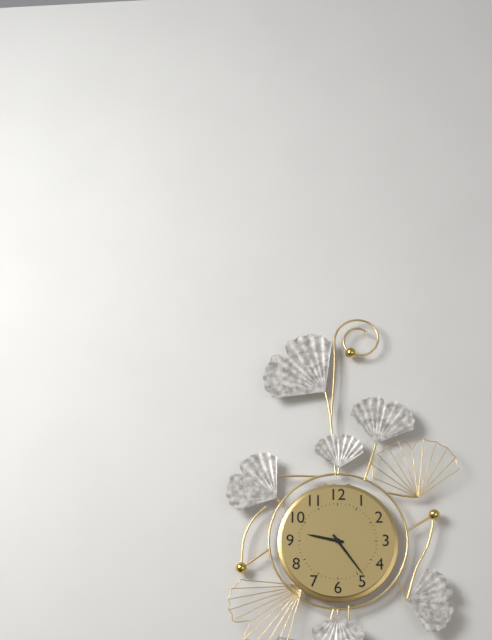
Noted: {"hour": 9, "minute": 24}
